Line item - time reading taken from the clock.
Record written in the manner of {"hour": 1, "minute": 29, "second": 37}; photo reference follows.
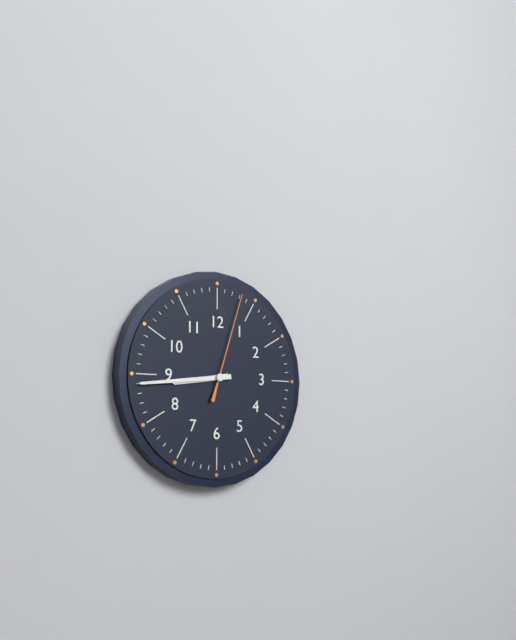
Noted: {"hour": 8, "minute": 44, "second": 3}
